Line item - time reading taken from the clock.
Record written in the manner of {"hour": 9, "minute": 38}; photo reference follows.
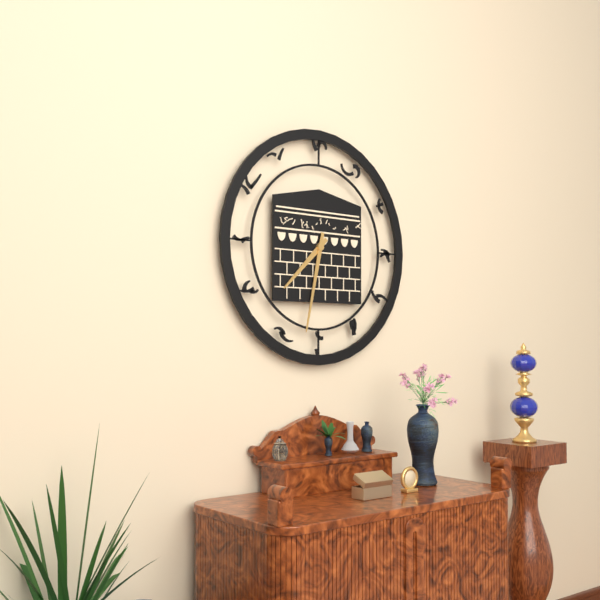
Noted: {"hour": 7, "minute": 32}
